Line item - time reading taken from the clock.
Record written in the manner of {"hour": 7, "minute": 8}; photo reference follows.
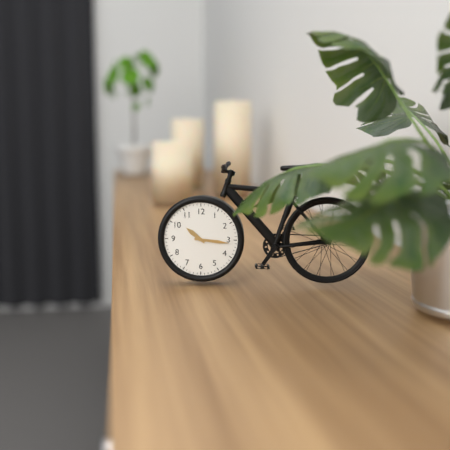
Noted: {"hour": 10, "minute": 16}
